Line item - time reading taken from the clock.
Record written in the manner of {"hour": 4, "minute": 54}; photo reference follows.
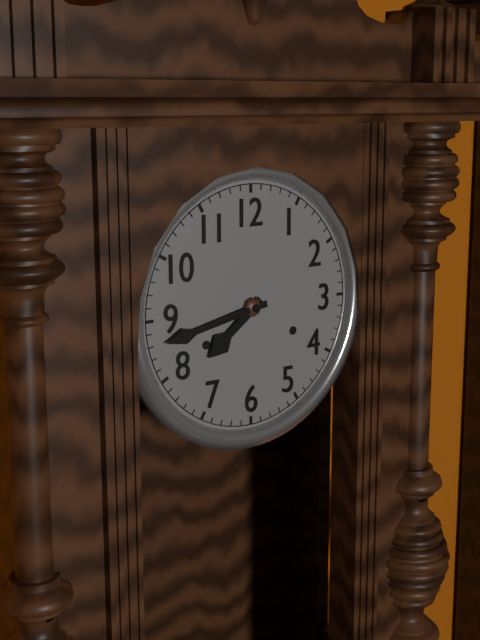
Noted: {"hour": 7, "minute": 43}
